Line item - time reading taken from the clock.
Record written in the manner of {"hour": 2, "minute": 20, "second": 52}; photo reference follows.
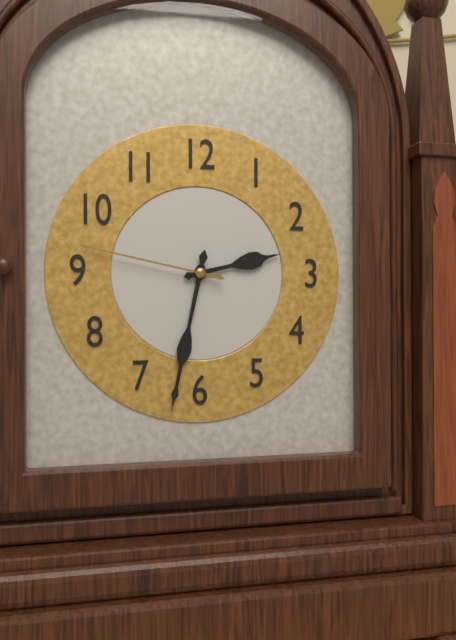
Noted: {"hour": 2, "minute": 32, "second": 47}
